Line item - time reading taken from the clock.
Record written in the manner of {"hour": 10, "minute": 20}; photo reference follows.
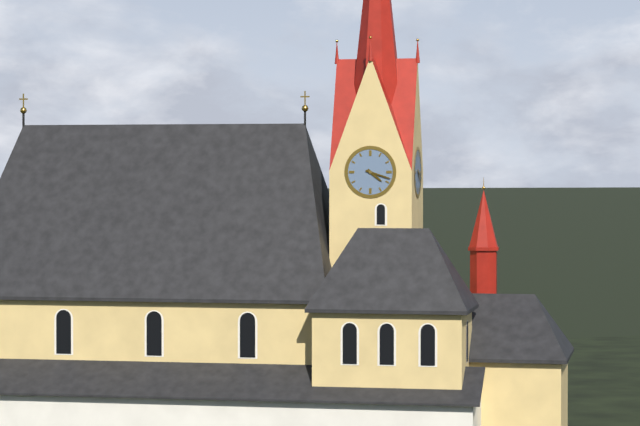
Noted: {"hour": 4, "minute": 18}
